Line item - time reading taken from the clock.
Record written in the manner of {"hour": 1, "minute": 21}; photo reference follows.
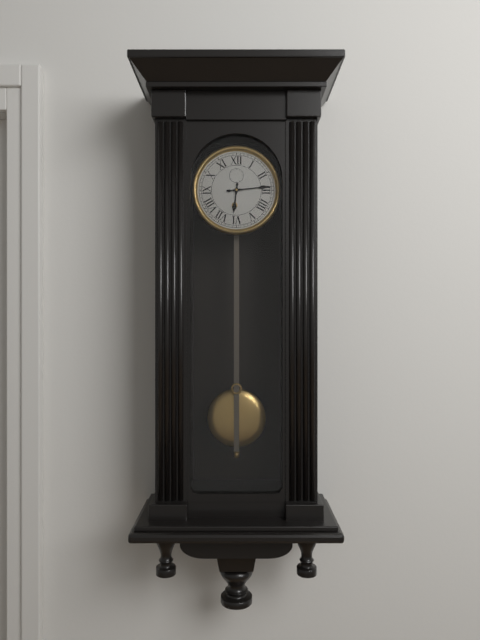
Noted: {"hour": 6, "minute": 14}
